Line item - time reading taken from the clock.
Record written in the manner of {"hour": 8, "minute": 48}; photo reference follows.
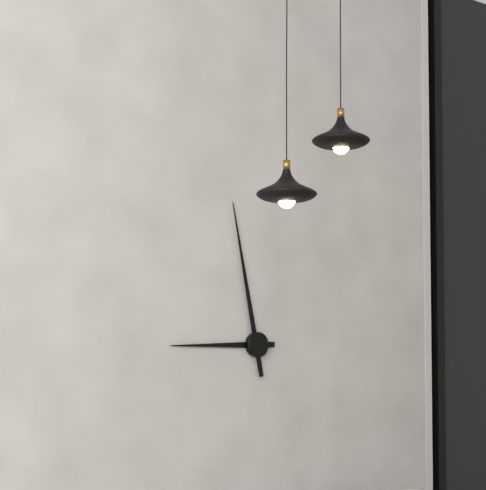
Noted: {"hour": 8, "minute": 58}
